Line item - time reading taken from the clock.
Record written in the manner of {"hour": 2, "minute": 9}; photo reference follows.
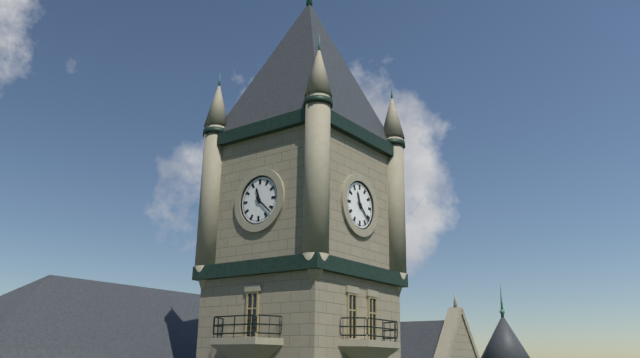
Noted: {"hour": 11, "minute": 22}
